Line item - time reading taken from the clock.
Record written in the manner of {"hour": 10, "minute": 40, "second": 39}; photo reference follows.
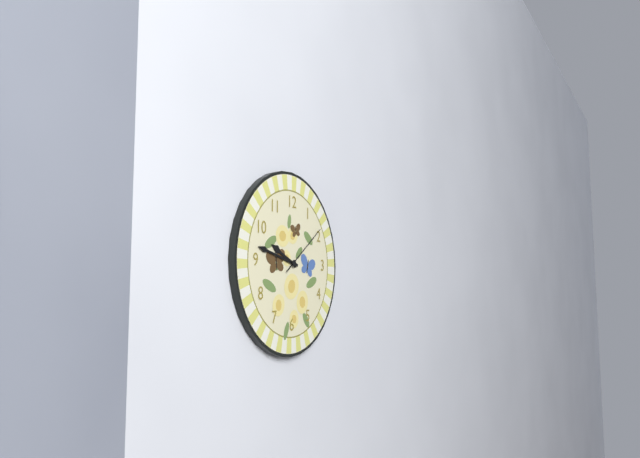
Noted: {"hour": 9, "minute": 47, "second": 9}
